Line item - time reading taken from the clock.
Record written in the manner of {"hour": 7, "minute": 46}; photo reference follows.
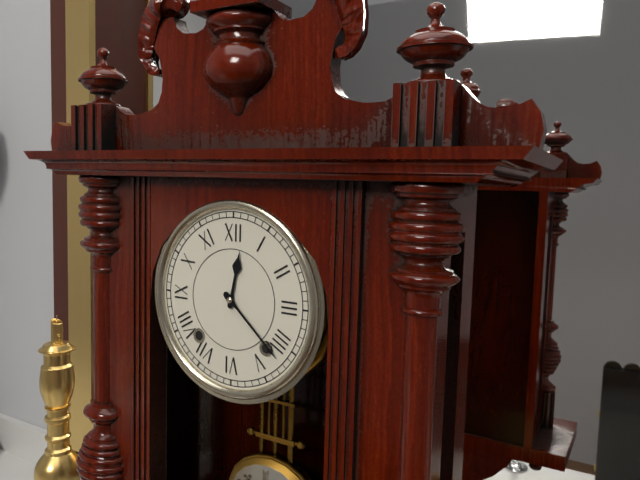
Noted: {"hour": 12, "minute": 22}
